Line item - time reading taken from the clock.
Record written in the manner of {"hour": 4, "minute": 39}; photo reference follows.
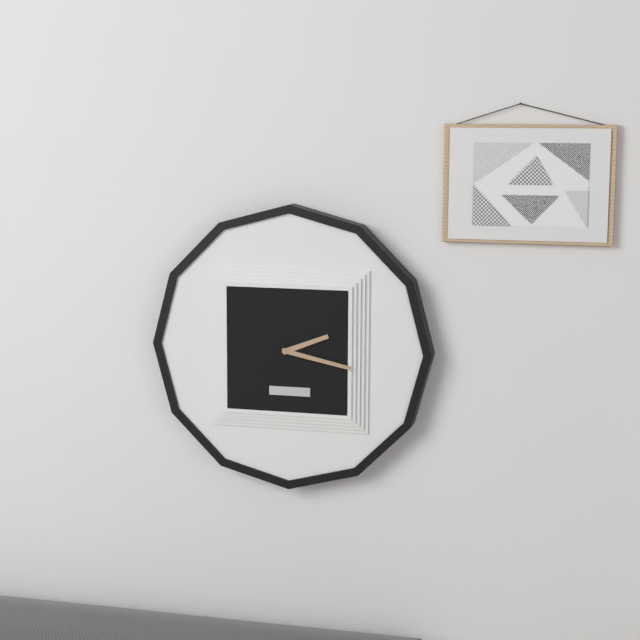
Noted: {"hour": 2, "minute": 17}
